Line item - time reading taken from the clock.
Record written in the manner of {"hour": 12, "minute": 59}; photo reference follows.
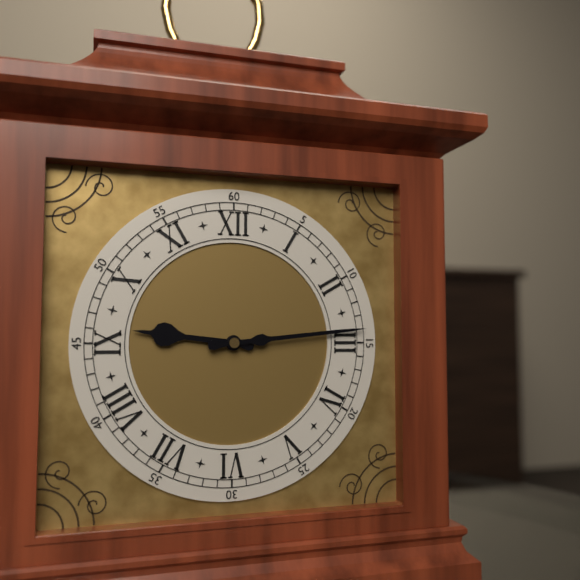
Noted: {"hour": 9, "minute": 14}
